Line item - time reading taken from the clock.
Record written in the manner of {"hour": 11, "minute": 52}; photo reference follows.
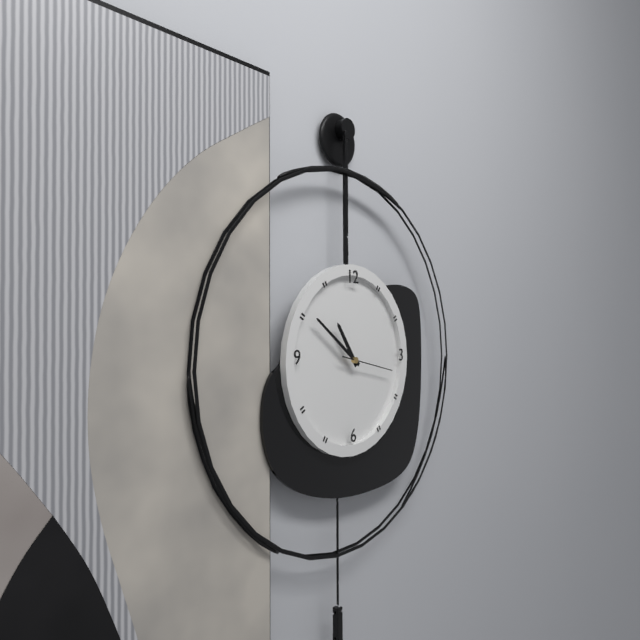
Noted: {"hour": 10, "minute": 51}
